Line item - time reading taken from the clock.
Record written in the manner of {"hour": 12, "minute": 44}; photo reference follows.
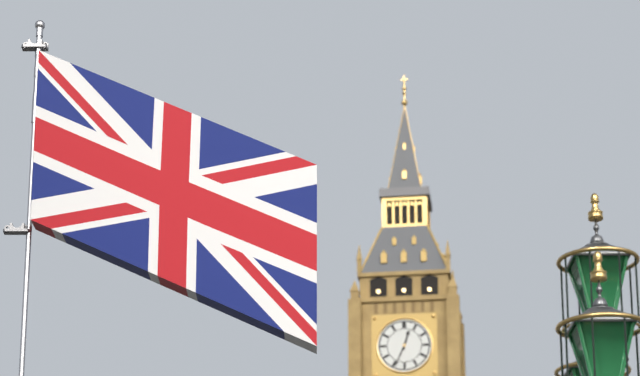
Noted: {"hour": 12, "minute": 34}
